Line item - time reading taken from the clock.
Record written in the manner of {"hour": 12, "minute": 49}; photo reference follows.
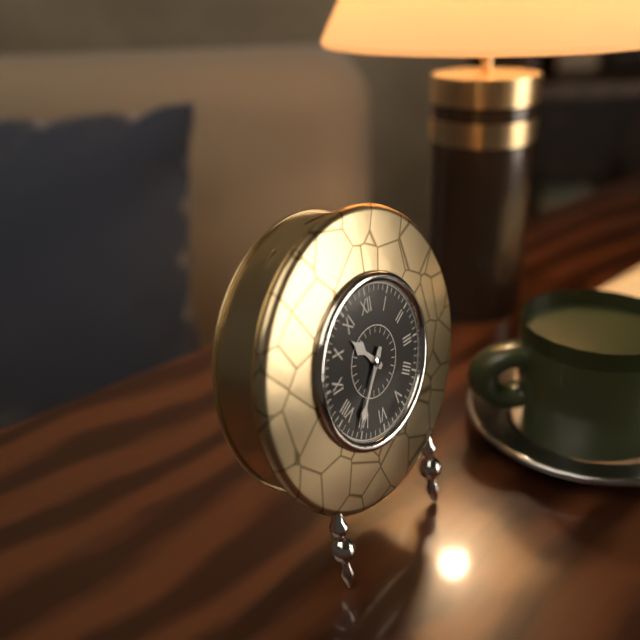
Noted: {"hour": 10, "minute": 36}
